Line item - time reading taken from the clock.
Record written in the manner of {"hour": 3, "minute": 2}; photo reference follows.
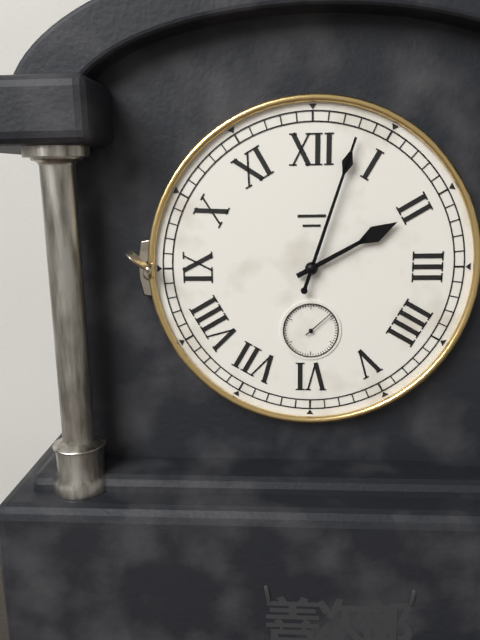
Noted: {"hour": 2, "minute": 3}
